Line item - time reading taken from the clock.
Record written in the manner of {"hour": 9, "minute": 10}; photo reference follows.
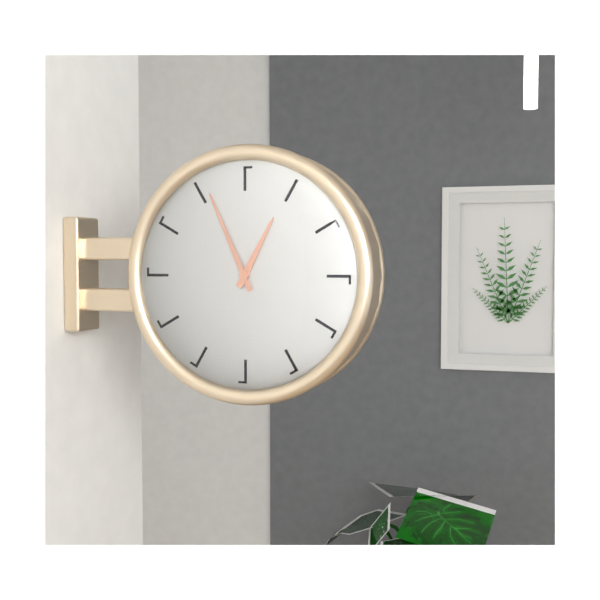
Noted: {"hour": 12, "minute": 56}
